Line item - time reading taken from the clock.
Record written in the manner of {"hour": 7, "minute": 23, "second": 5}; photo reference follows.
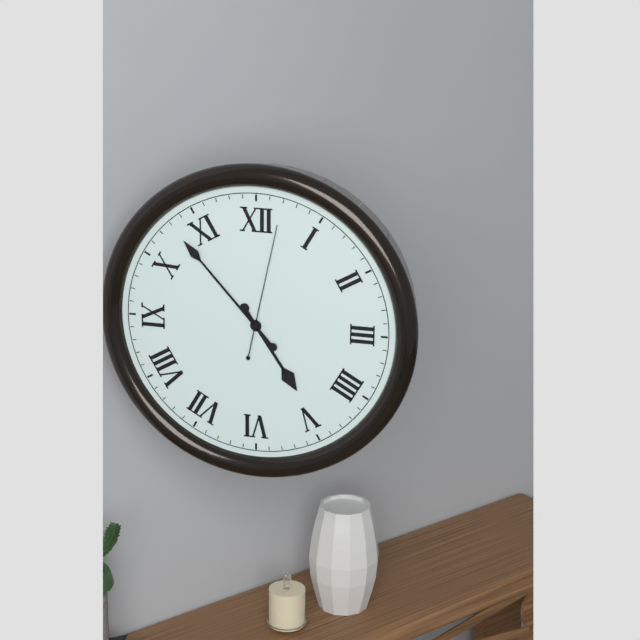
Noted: {"hour": 4, "minute": 53, "second": 2}
